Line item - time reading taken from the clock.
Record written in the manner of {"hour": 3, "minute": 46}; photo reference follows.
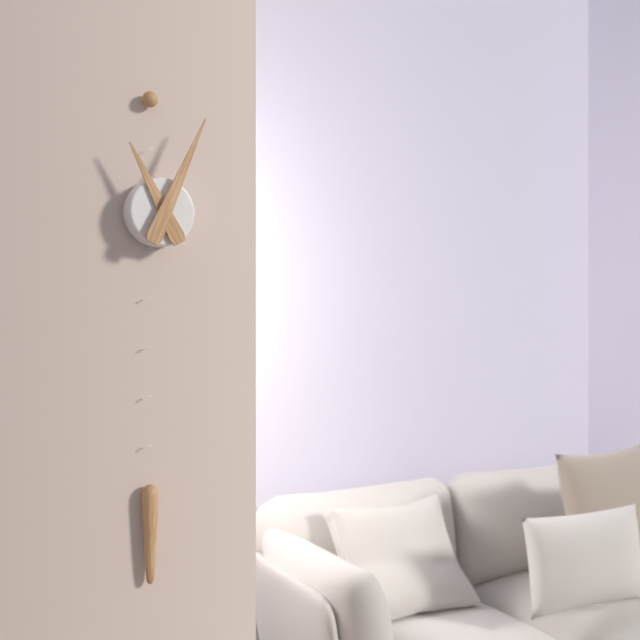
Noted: {"hour": 11, "minute": 4}
